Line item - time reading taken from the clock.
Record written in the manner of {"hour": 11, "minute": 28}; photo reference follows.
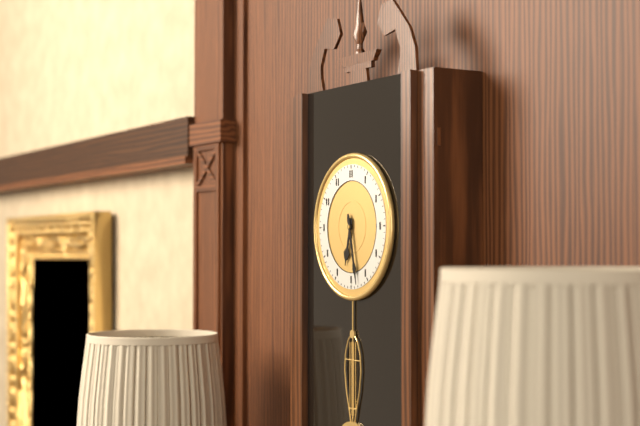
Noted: {"hour": 6, "minute": 28}
